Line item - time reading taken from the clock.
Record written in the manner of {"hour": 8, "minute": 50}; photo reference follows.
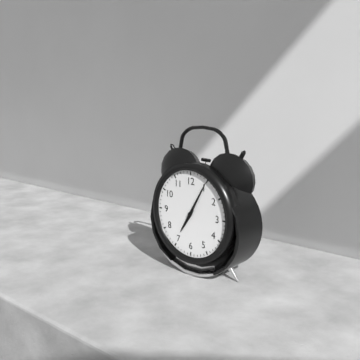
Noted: {"hour": 7, "minute": 5}
